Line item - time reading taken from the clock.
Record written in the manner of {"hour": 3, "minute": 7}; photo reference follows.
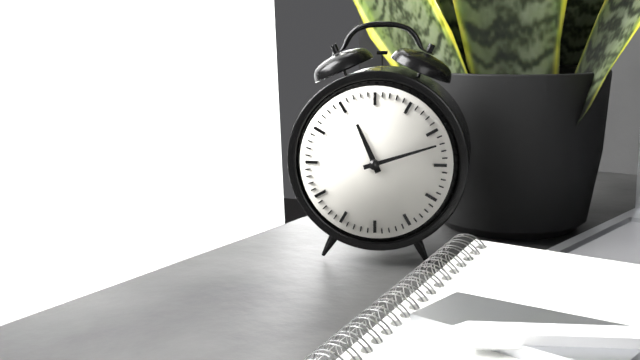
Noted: {"hour": 11, "minute": 12}
